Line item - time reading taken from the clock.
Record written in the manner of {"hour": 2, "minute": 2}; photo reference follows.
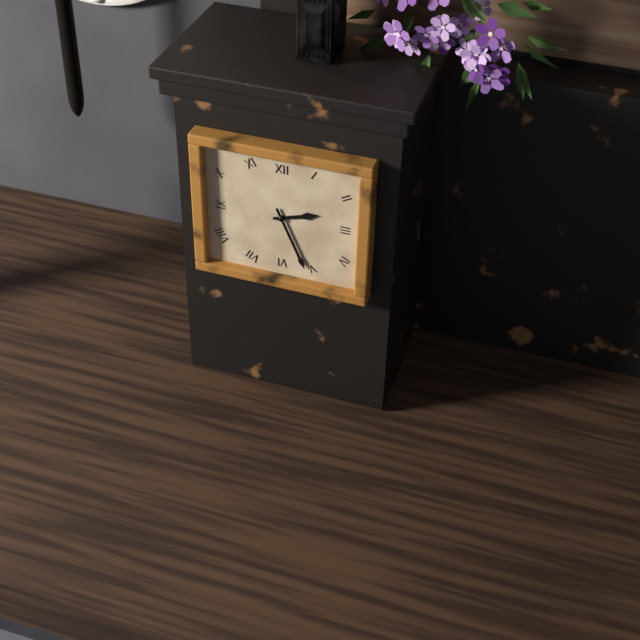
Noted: {"hour": 2, "minute": 26}
